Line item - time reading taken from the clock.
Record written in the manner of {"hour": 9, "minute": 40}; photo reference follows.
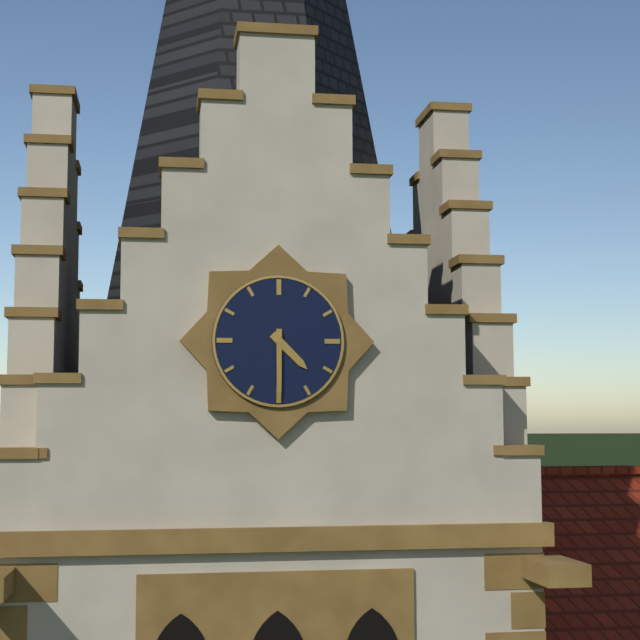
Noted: {"hour": 4, "minute": 30}
